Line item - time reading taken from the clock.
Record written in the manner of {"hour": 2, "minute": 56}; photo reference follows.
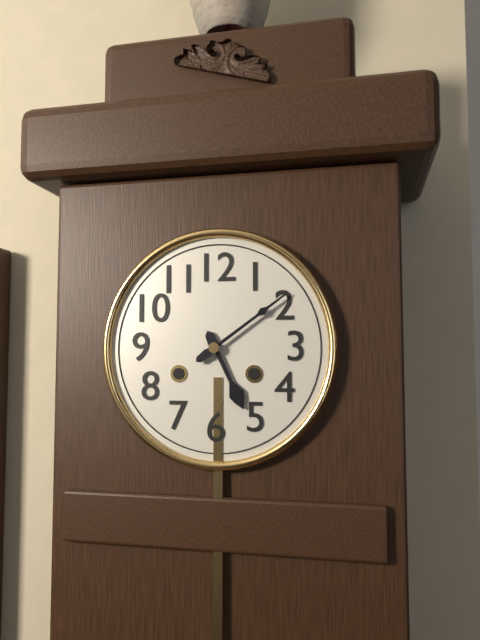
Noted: {"hour": 5, "minute": 9}
